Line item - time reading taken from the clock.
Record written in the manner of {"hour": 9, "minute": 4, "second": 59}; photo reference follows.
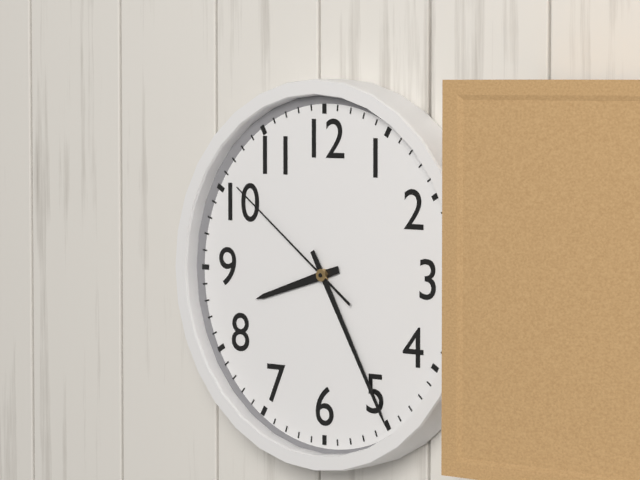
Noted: {"hour": 8, "minute": 25, "second": 51}
